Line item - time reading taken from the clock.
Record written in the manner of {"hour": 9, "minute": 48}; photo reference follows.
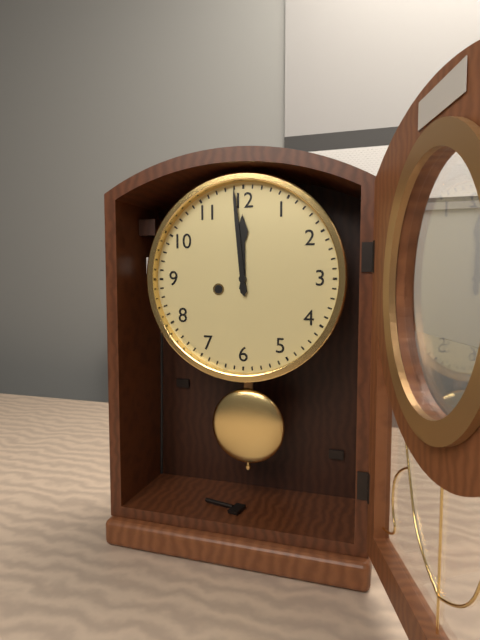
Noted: {"hour": 11, "minute": 59}
